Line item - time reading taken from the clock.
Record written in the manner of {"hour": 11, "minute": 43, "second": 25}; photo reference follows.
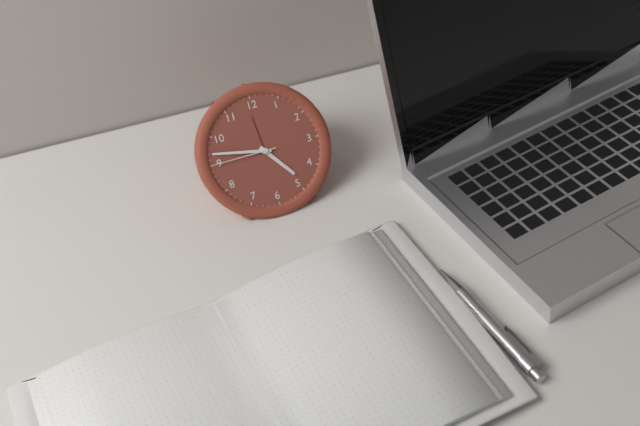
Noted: {"hour": 4, "minute": 47, "second": 45}
